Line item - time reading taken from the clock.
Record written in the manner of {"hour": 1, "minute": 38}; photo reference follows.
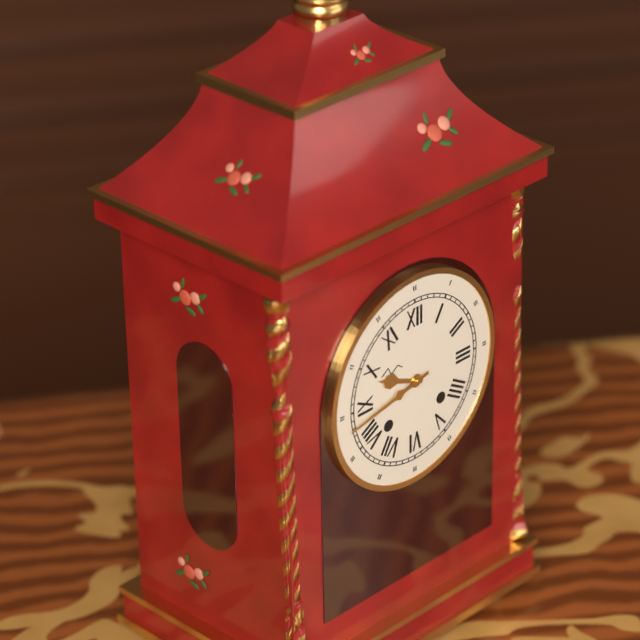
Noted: {"hour": 9, "minute": 43}
